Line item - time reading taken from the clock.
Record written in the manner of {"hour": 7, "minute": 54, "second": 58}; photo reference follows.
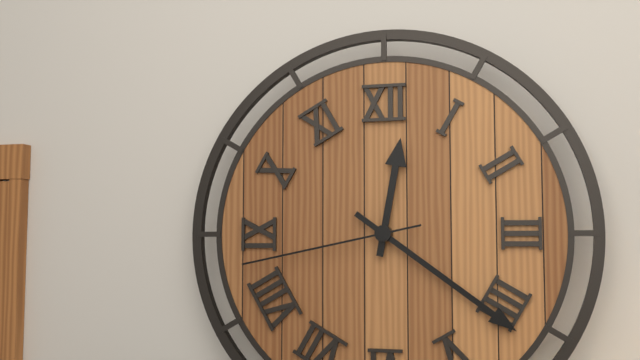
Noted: {"hour": 12, "minute": 21, "second": 43}
